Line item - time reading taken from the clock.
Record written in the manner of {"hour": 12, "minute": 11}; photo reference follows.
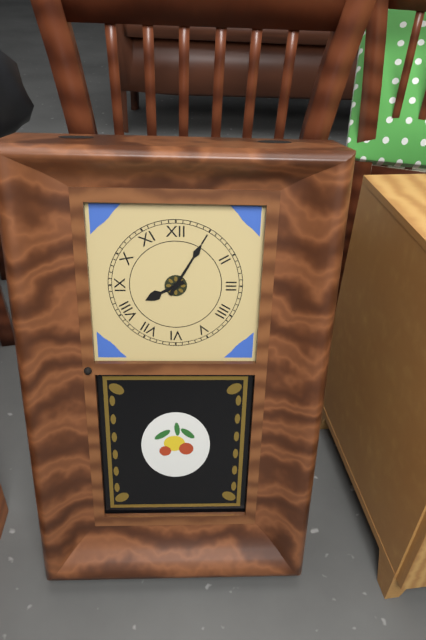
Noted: {"hour": 8, "minute": 5}
